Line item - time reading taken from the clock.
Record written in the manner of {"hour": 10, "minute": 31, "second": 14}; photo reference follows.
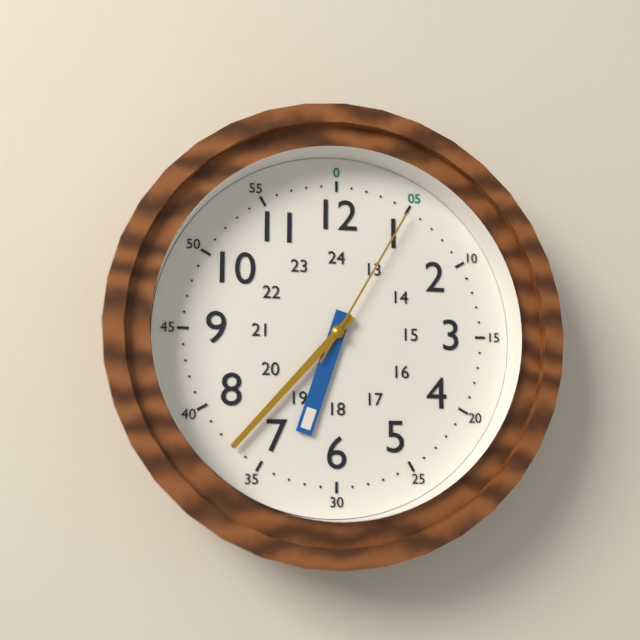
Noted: {"hour": 6, "minute": 37, "second": 5}
